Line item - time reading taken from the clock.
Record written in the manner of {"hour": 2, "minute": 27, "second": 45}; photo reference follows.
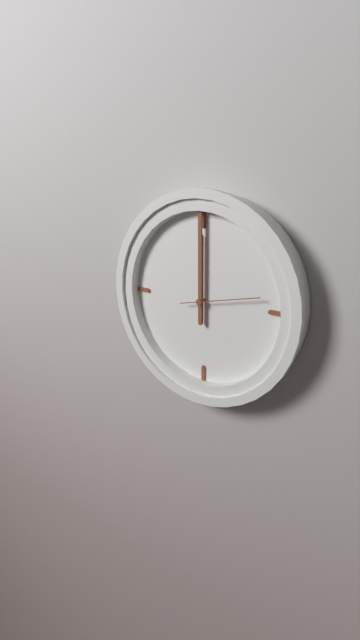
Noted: {"hour": 12, "minute": 0, "second": 13}
